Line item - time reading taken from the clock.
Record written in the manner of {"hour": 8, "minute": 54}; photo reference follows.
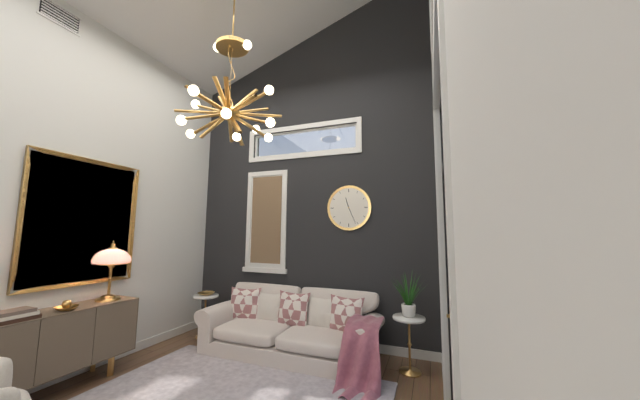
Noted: {"hour": 11, "minute": 26}
